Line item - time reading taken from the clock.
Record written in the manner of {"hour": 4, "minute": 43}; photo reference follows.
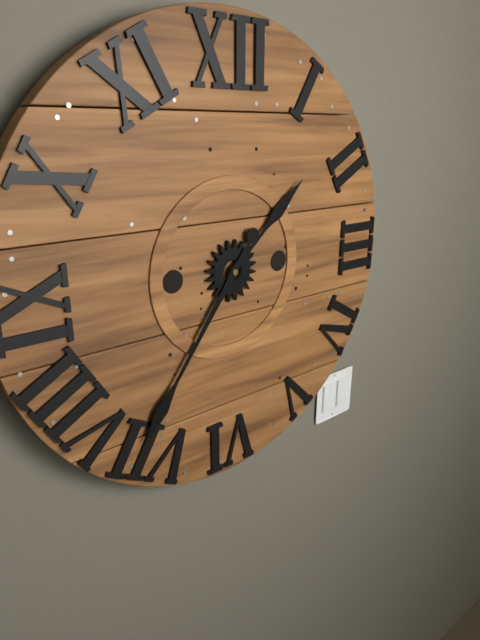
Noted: {"hour": 1, "minute": 36}
